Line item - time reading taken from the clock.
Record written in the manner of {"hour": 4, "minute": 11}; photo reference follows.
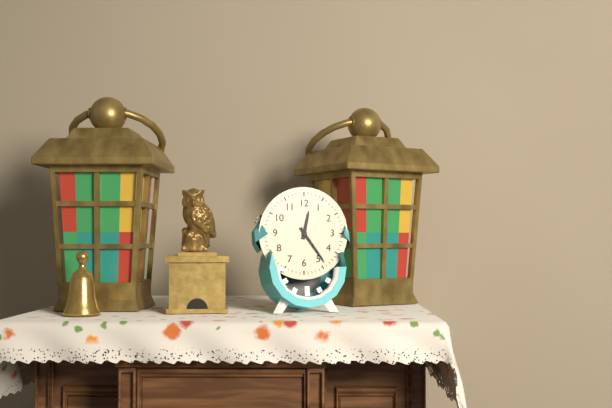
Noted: {"hour": 12, "minute": 24}
